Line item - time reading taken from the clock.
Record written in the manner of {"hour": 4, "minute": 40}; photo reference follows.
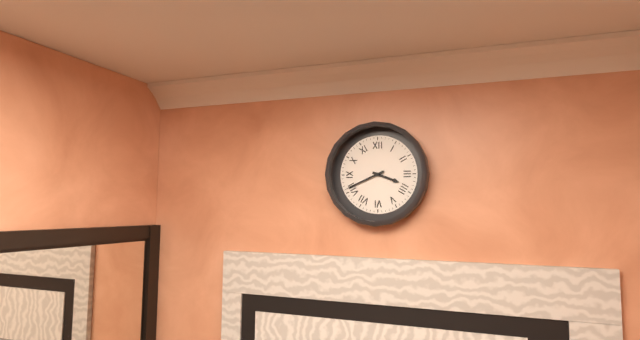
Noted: {"hour": 3, "minute": 41}
